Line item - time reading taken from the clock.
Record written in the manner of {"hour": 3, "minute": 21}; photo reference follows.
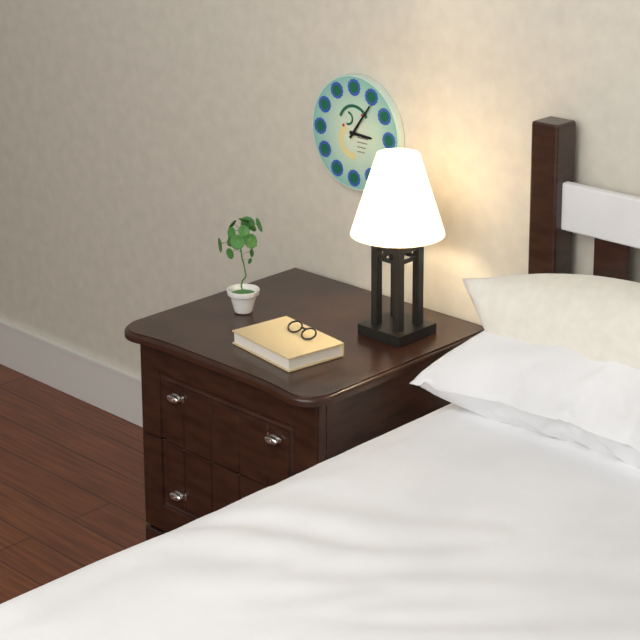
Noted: {"hour": 3, "minute": 6}
